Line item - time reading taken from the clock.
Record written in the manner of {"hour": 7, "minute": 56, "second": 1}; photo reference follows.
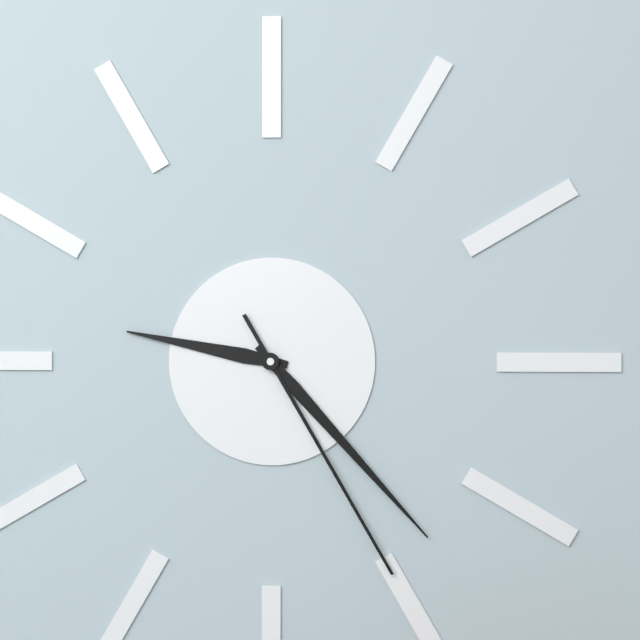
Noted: {"hour": 9, "minute": 23, "second": 25}
